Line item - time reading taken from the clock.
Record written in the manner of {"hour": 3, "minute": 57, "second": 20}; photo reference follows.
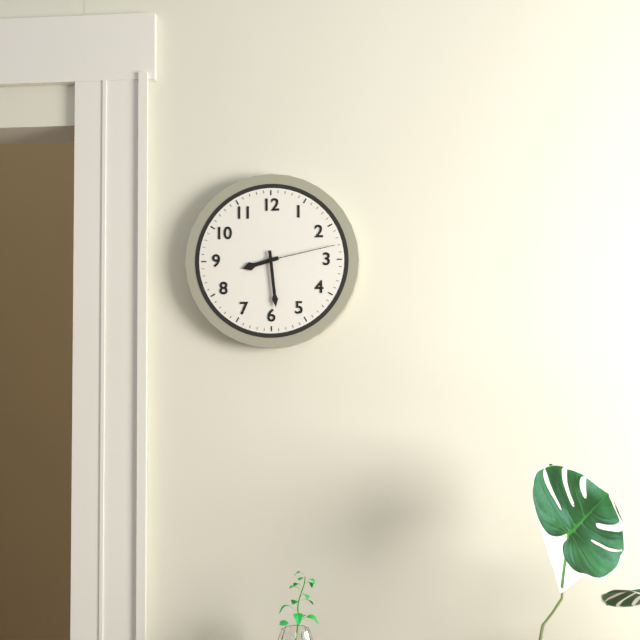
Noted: {"hour": 8, "minute": 29, "second": 13}
